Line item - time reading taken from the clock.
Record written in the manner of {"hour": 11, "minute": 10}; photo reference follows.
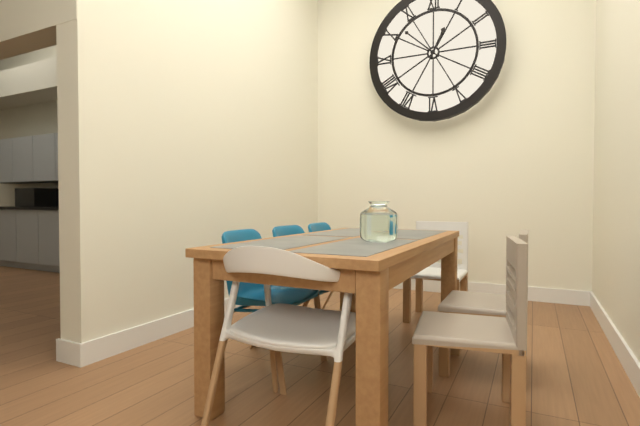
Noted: {"hour": 12, "minute": 52}
